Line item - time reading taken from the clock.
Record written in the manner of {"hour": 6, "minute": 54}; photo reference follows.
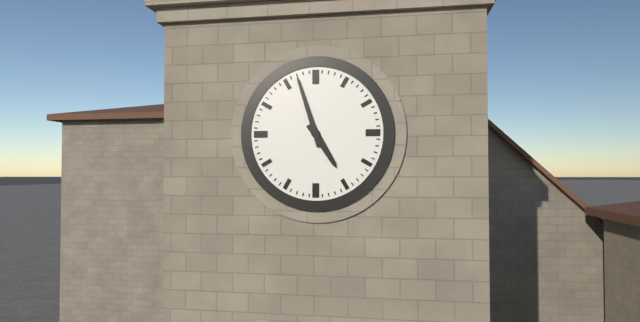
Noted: {"hour": 4, "minute": 57}
